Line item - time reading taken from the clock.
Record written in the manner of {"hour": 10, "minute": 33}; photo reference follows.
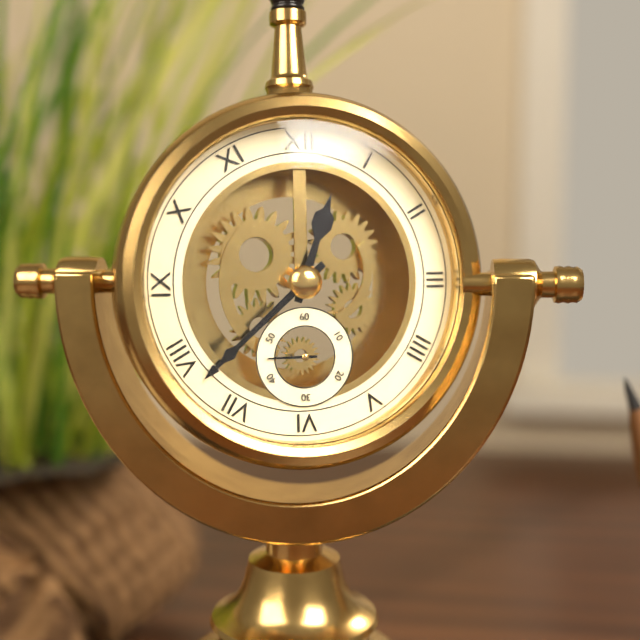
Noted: {"hour": 12, "minute": 38}
